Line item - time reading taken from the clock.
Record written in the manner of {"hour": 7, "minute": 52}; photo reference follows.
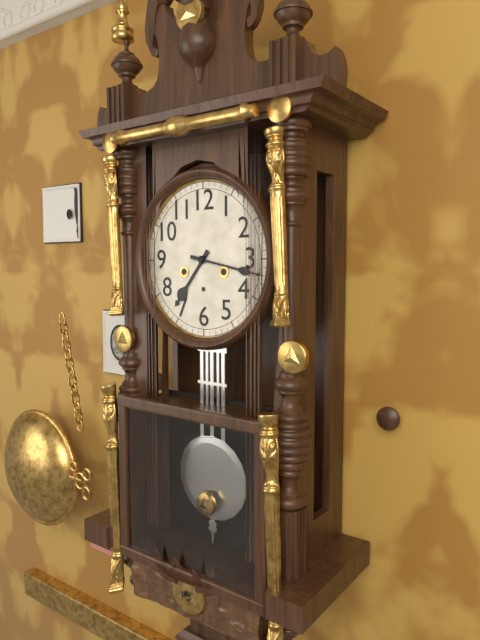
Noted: {"hour": 7, "minute": 17}
